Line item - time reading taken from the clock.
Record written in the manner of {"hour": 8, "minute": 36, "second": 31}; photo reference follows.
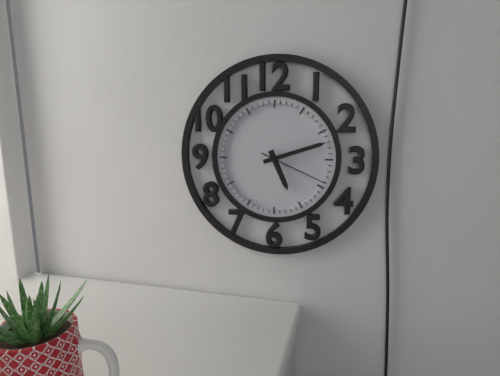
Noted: {"hour": 5, "minute": 12, "second": 19}
